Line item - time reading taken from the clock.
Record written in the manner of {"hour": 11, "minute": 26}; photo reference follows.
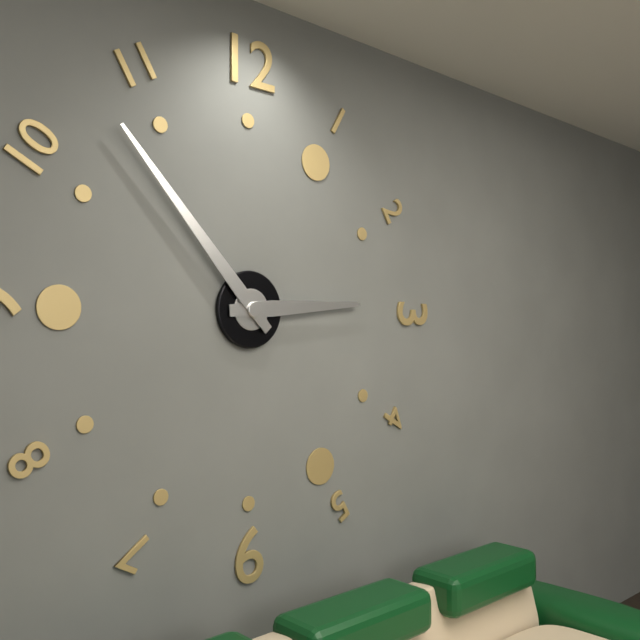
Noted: {"hour": 2, "minute": 53}
